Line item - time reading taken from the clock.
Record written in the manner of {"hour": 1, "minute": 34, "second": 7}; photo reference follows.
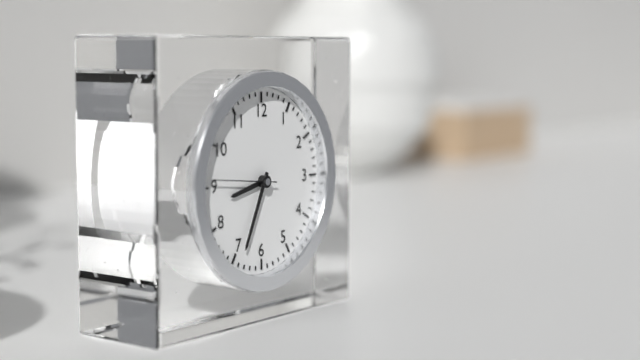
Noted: {"hour": 8, "minute": 34, "second": 46}
